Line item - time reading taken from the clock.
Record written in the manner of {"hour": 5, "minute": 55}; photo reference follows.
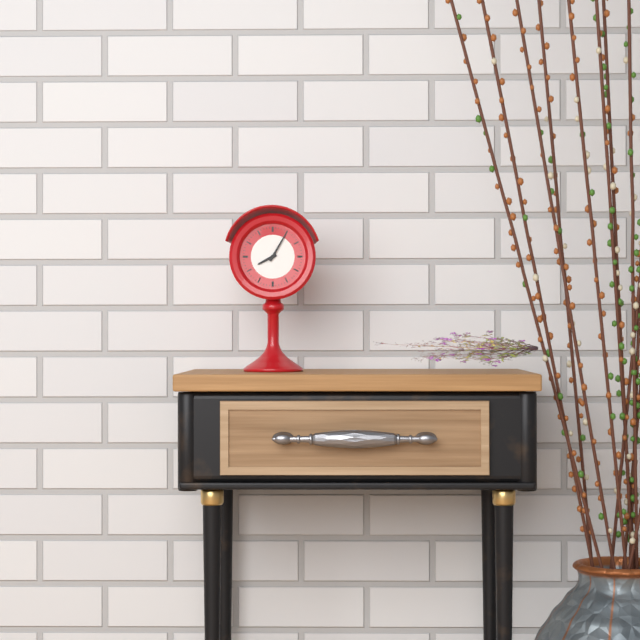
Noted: {"hour": 8, "minute": 5}
